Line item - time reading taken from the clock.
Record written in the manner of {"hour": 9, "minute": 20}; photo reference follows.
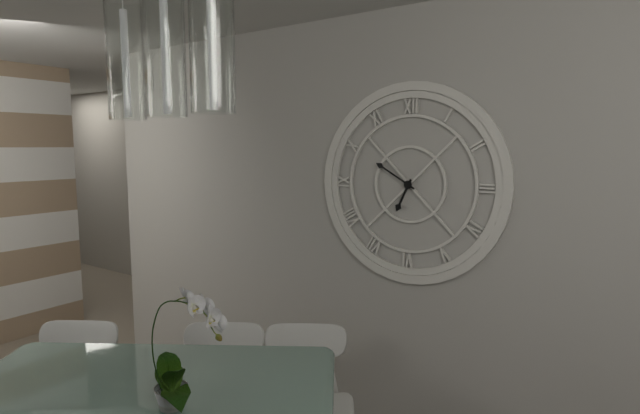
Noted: {"hour": 6, "minute": 50}
